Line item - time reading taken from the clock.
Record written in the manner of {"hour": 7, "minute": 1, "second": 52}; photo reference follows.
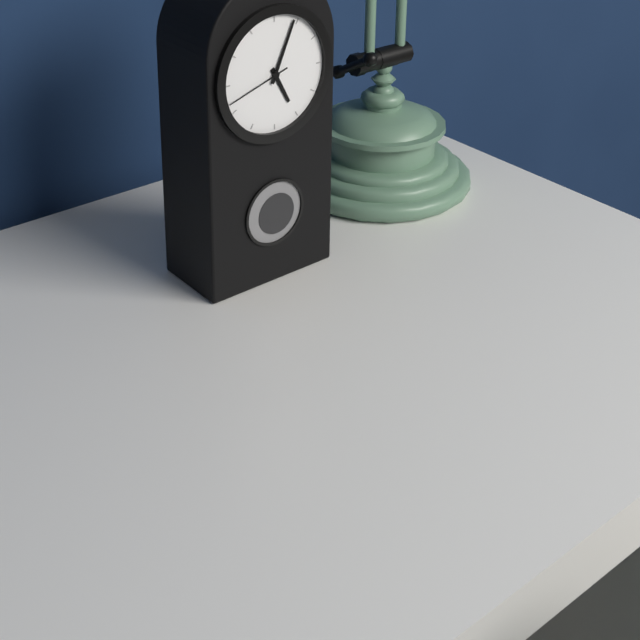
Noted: {"hour": 5, "minute": 4, "second": 42}
